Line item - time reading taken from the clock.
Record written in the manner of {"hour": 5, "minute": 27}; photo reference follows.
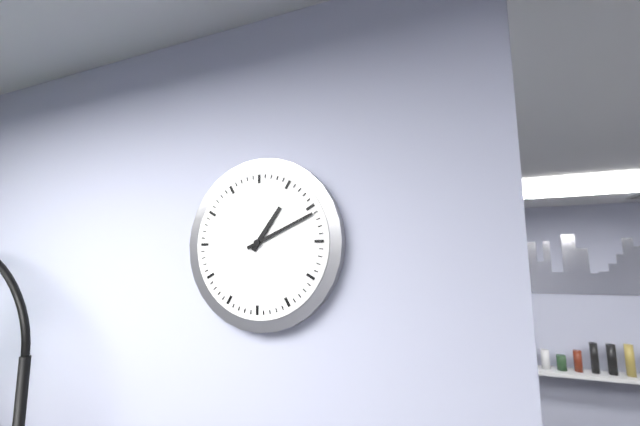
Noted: {"hour": 1, "minute": 11}
